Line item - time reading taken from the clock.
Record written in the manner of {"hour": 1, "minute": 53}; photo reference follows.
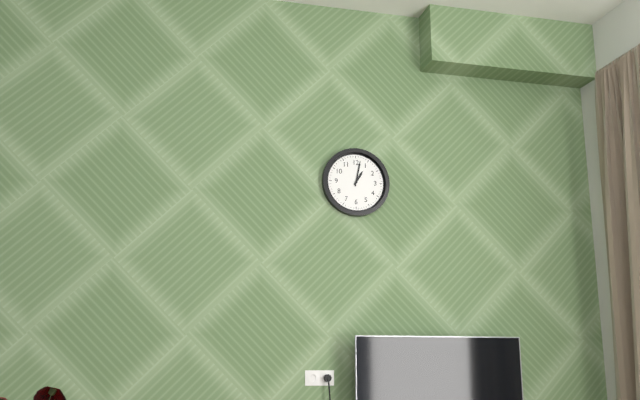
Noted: {"hour": 1, "minute": 2}
